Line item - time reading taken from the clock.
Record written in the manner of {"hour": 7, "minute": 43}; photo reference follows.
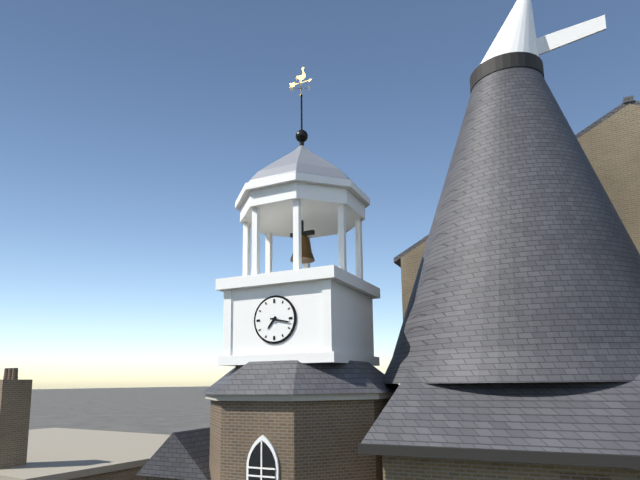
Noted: {"hour": 7, "minute": 17}
